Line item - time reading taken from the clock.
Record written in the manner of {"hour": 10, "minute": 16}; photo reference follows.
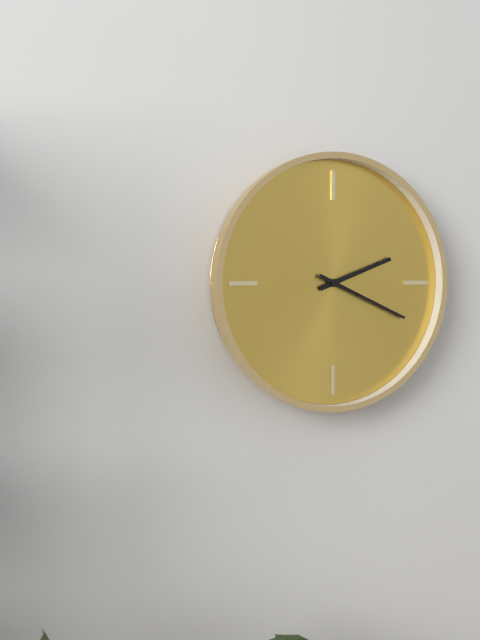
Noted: {"hour": 2, "minute": 19}
